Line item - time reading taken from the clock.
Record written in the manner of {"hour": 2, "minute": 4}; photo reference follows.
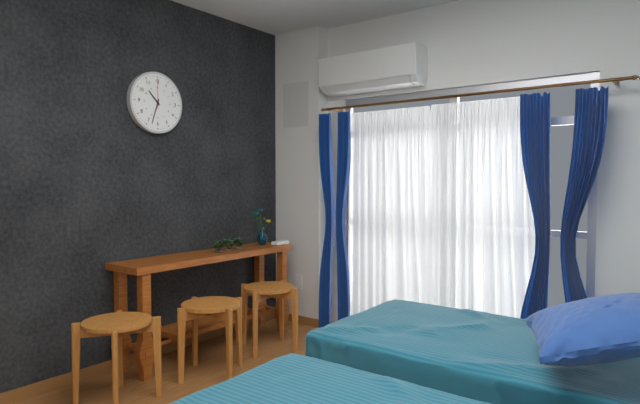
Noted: {"hour": 10, "minute": 33}
